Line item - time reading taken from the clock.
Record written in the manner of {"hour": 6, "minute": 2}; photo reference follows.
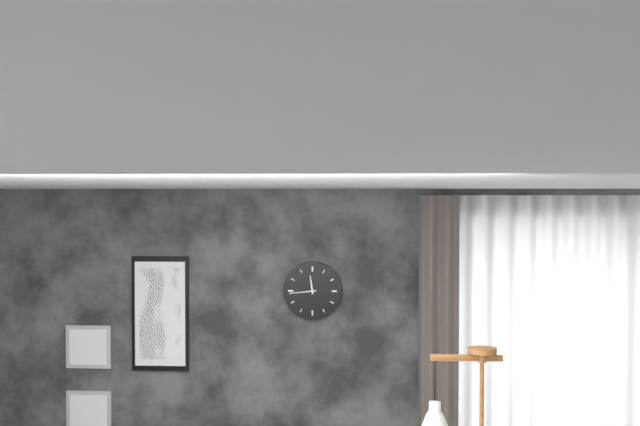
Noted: {"hour": 11, "minute": 44}
